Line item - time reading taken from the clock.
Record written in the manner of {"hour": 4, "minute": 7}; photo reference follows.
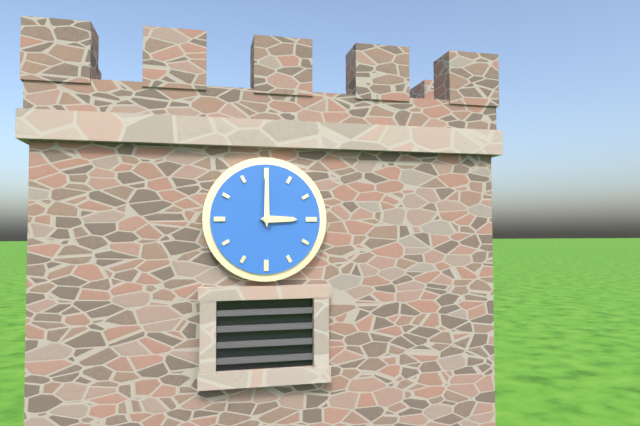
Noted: {"hour": 3, "minute": 0}
